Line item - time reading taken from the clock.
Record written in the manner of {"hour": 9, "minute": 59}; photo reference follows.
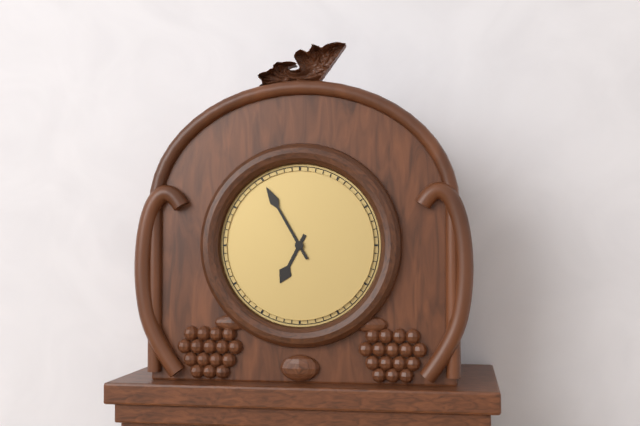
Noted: {"hour": 6, "minute": 55}
